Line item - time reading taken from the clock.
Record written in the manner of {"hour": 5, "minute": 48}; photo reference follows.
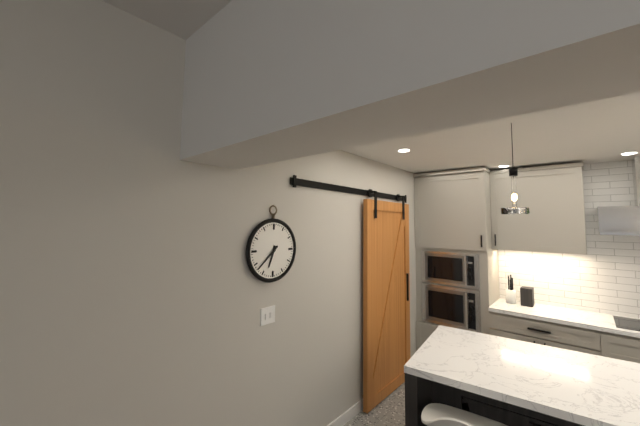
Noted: {"hour": 6, "minute": 38}
